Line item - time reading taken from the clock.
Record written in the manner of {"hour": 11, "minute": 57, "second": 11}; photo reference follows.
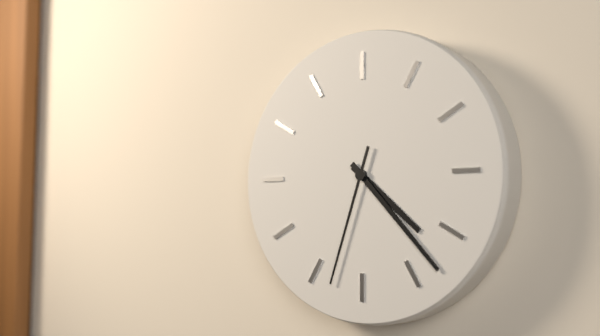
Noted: {"hour": 4, "minute": 23, "second": 33}
